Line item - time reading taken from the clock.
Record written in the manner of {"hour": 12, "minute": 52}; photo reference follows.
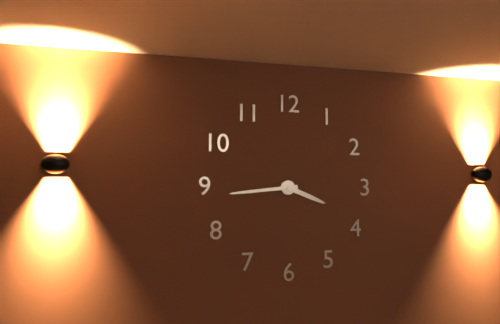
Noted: {"hour": 3, "minute": 44}
